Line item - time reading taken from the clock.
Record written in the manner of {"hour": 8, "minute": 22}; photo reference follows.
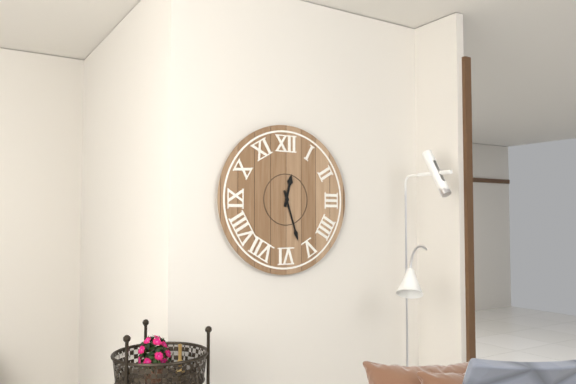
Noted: {"hour": 12, "minute": 27}
